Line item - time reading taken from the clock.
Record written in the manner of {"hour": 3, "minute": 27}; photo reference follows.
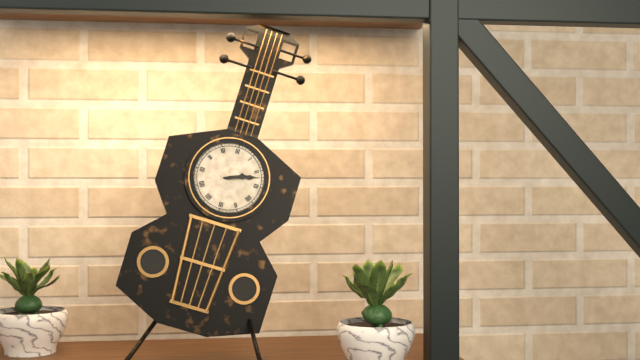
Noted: {"hour": 2, "minute": 12}
